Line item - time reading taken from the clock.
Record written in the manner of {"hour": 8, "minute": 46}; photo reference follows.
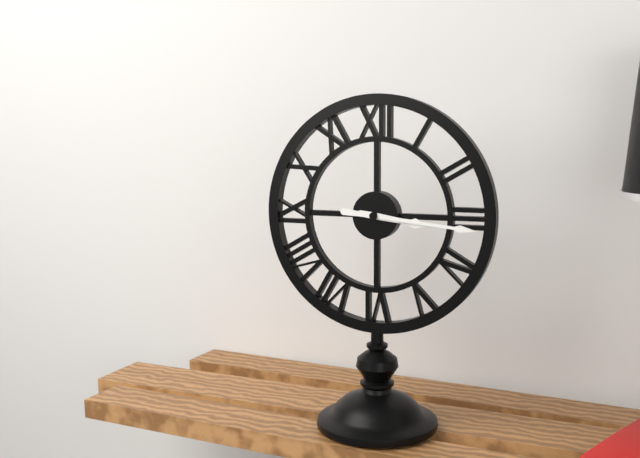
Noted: {"hour": 3, "minute": 16}
